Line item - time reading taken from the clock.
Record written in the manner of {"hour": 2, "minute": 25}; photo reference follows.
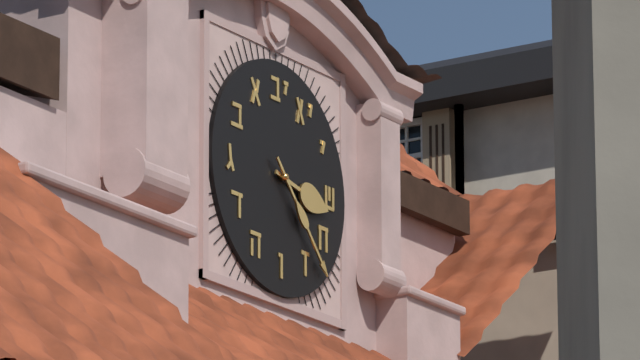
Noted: {"hour": 3, "minute": 23}
